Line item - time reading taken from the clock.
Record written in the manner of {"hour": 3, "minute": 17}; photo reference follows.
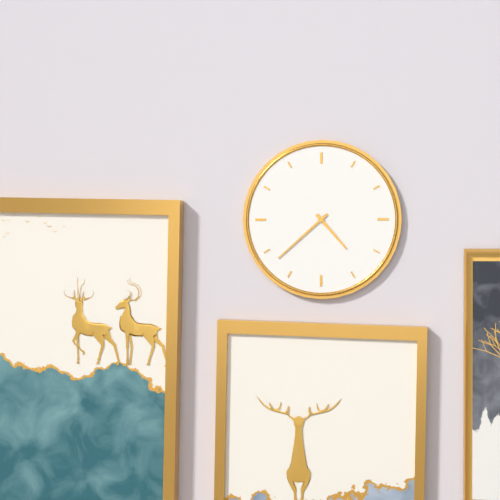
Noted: {"hour": 4, "minute": 38}
